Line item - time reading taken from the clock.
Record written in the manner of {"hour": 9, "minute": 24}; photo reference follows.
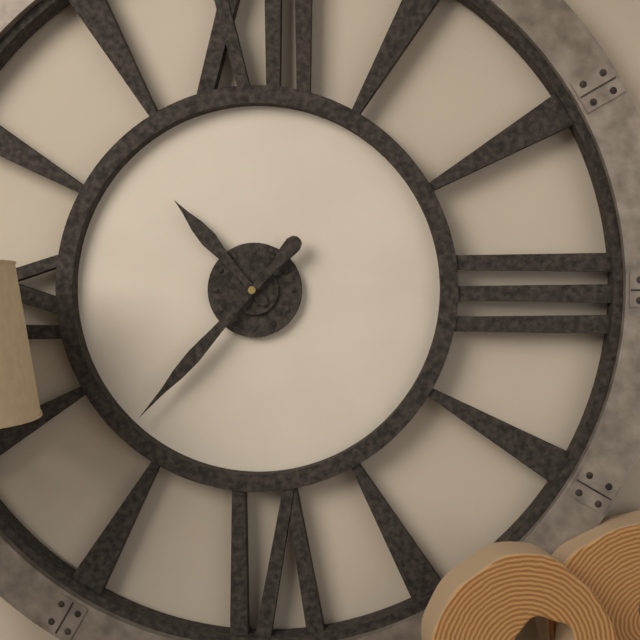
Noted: {"hour": 10, "minute": 37}
